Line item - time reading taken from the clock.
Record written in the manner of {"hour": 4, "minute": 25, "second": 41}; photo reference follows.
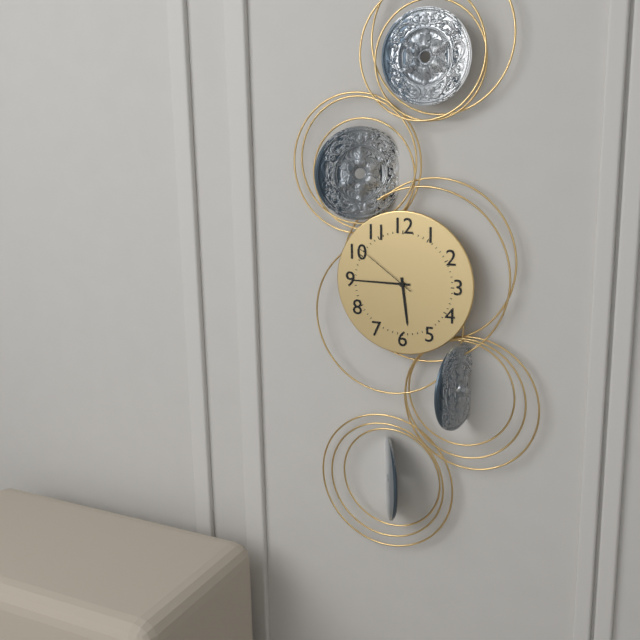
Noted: {"hour": 5, "minute": 45, "second": 51}
